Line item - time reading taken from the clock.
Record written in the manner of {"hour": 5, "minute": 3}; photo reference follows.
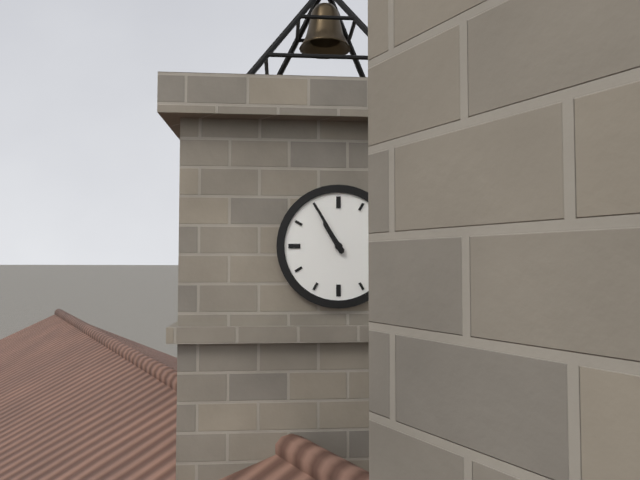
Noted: {"hour": 10, "minute": 55}
